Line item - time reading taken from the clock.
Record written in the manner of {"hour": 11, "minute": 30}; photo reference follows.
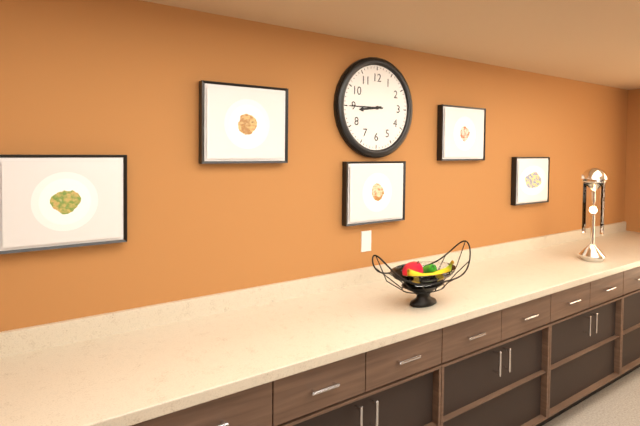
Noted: {"hour": 8, "minute": 45}
